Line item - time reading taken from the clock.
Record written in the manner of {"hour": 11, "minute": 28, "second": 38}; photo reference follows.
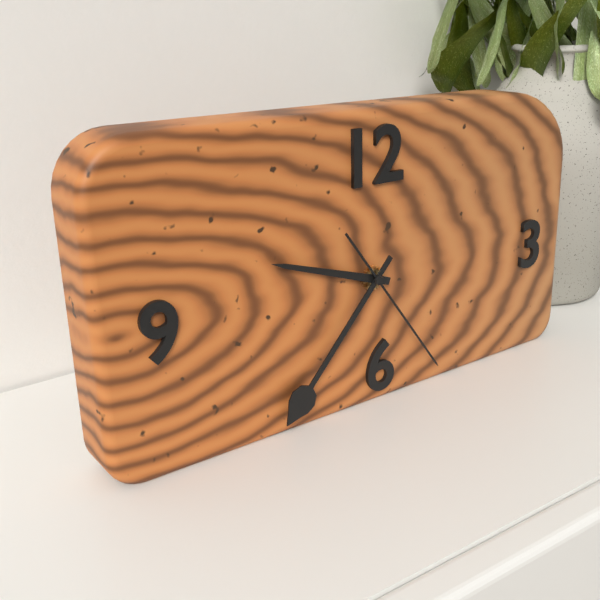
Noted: {"hour": 9, "minute": 37, "second": 24}
